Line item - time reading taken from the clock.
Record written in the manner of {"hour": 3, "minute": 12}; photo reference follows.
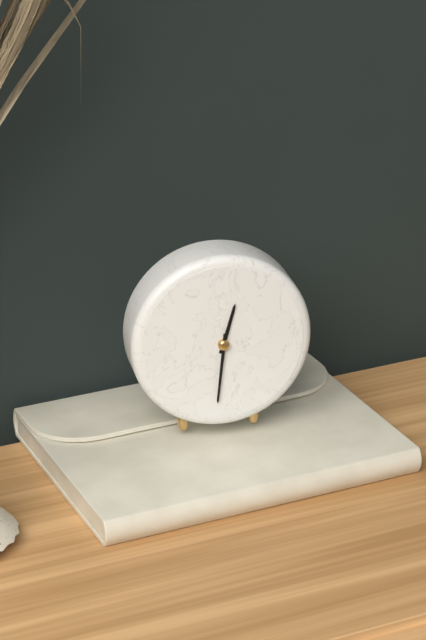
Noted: {"hour": 12, "minute": 31}
